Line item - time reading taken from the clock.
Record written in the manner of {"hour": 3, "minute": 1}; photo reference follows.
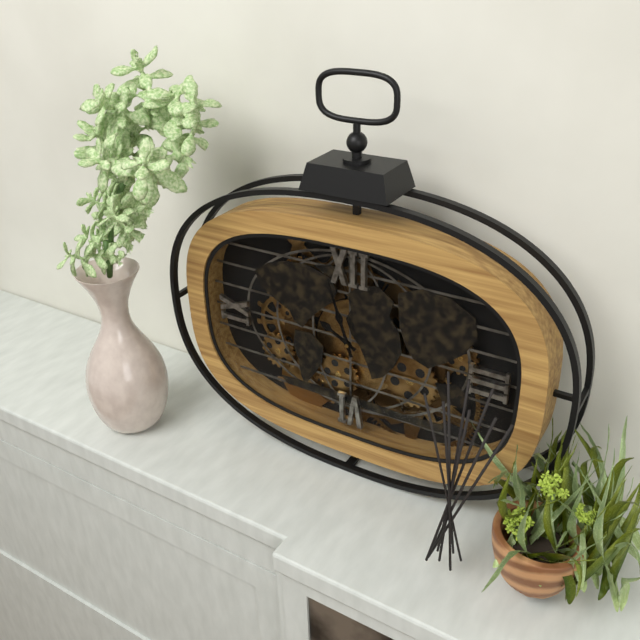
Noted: {"hour": 9, "minute": 57}
